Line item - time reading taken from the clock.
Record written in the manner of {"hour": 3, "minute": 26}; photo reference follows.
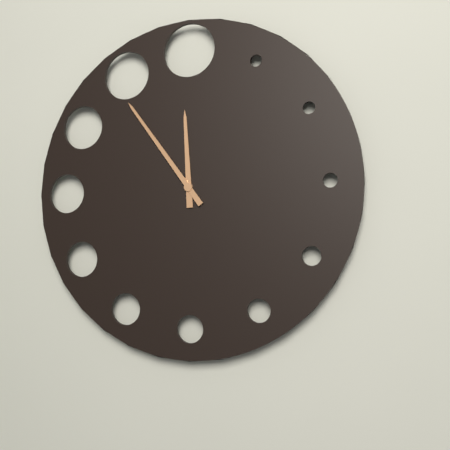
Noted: {"hour": 11, "minute": 54}
